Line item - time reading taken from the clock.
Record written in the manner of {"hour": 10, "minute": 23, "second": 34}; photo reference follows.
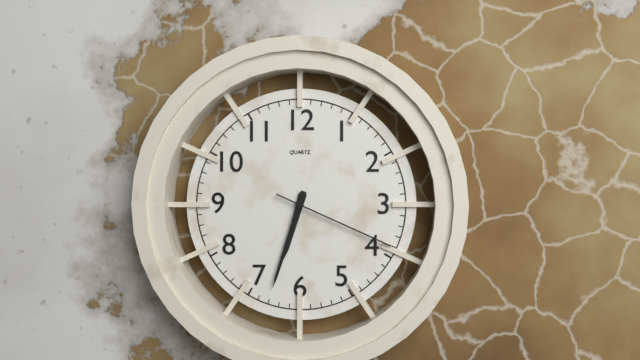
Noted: {"hour": 6, "minute": 33, "second": 19}
